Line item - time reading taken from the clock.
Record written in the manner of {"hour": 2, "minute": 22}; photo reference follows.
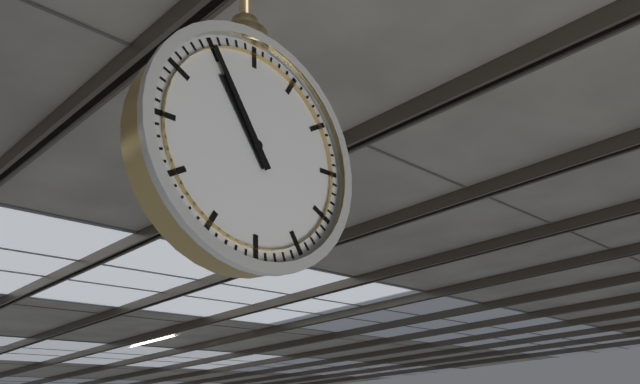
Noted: {"hour": 10, "minute": 55}
